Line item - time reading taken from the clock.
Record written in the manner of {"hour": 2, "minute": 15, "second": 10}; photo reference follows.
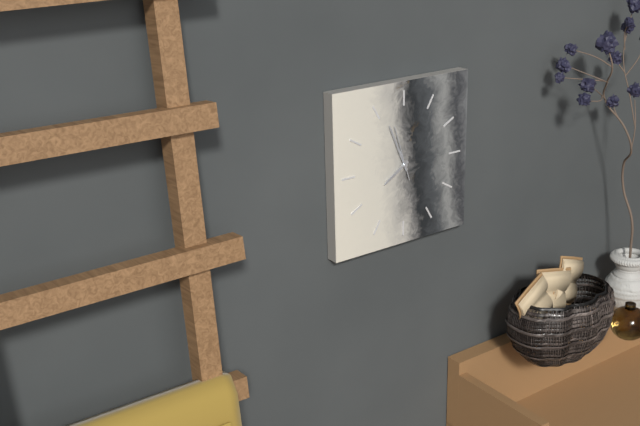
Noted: {"hour": 7, "minute": 56, "second": 57}
